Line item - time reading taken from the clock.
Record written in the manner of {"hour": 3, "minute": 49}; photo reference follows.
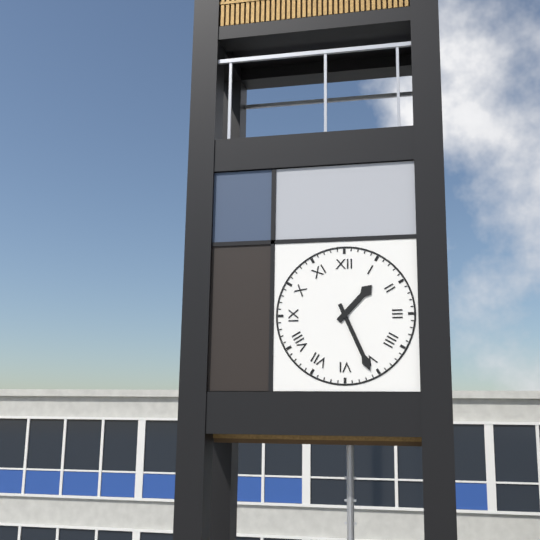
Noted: {"hour": 1, "minute": 26}
